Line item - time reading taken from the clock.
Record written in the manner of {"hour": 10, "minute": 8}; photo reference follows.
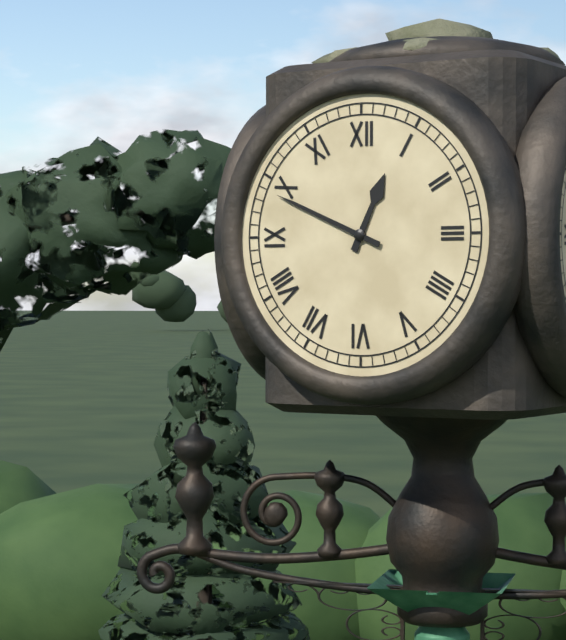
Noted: {"hour": 12, "minute": 49}
